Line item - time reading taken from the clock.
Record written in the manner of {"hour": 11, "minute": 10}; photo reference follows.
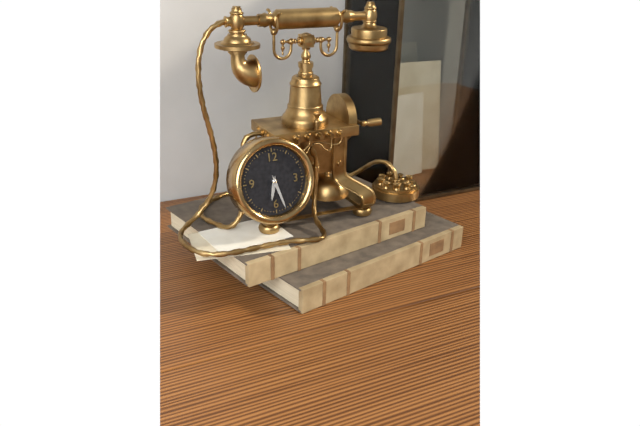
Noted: {"hour": 6, "minute": 27}
